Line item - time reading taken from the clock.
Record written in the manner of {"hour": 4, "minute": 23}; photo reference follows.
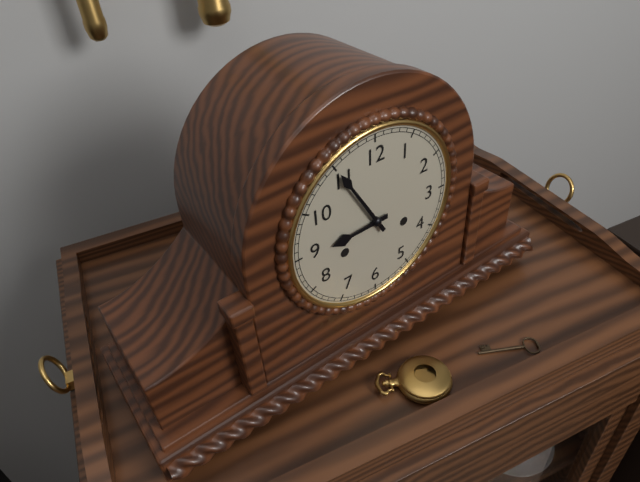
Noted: {"hour": 8, "minute": 55}
